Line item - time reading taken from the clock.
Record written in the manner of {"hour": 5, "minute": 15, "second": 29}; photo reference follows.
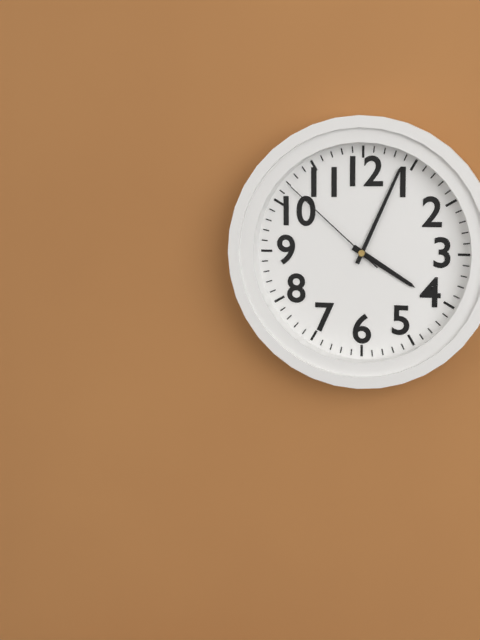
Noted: {"hour": 4, "minute": 4, "second": 52}
